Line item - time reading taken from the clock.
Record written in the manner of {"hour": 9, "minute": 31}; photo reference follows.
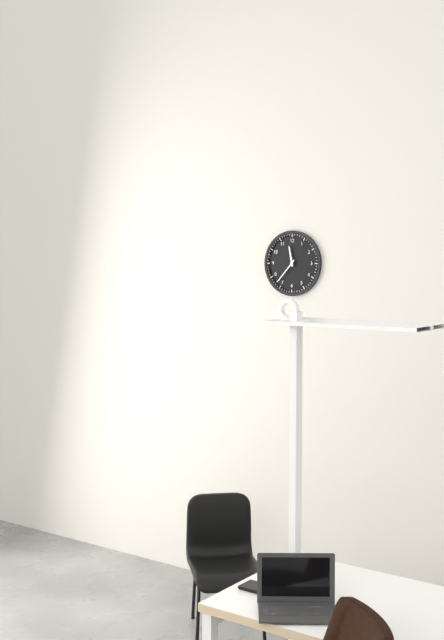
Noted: {"hour": 11, "minute": 37}
